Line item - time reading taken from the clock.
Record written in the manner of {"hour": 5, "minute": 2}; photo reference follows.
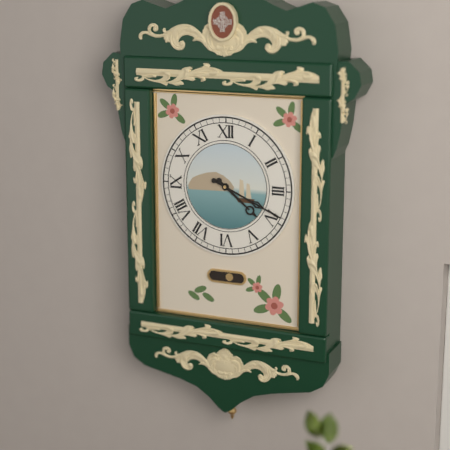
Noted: {"hour": 4, "minute": 19}
